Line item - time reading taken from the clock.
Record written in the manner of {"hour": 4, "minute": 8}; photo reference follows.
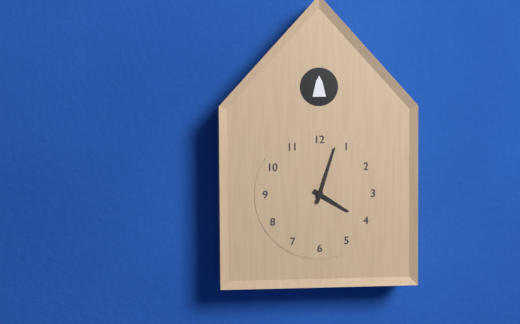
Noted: {"hour": 4, "minute": 3}
